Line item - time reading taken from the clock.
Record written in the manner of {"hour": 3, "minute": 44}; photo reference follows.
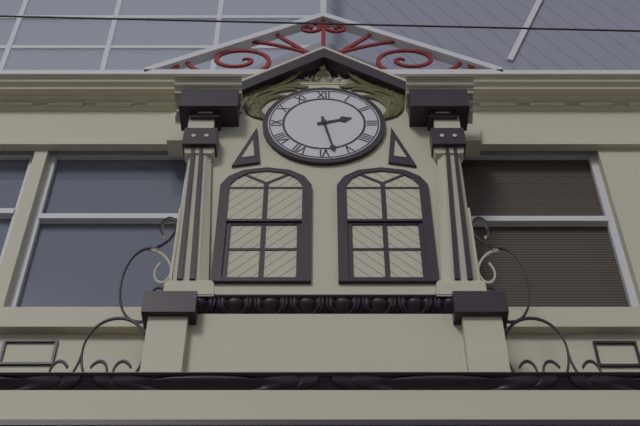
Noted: {"hour": 2, "minute": 28}
